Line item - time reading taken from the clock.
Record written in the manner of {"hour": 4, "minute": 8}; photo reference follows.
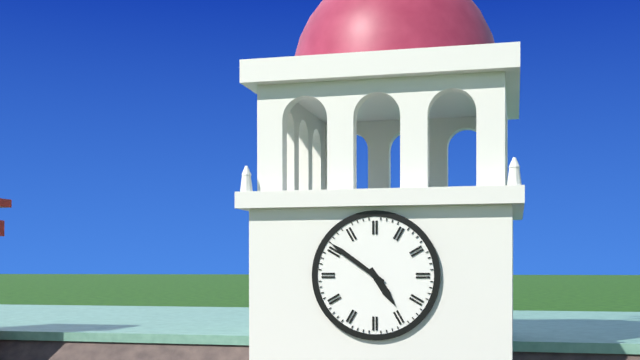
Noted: {"hour": 4, "minute": 51}
